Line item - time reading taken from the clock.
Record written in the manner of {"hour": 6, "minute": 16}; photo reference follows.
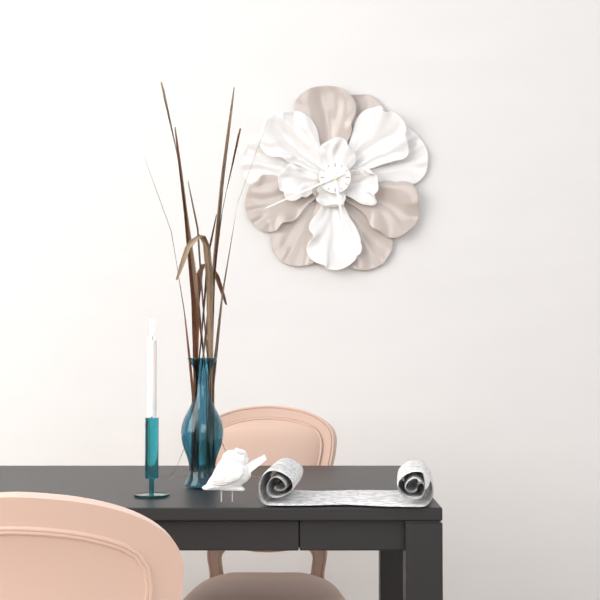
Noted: {"hour": 5, "minute": 41}
